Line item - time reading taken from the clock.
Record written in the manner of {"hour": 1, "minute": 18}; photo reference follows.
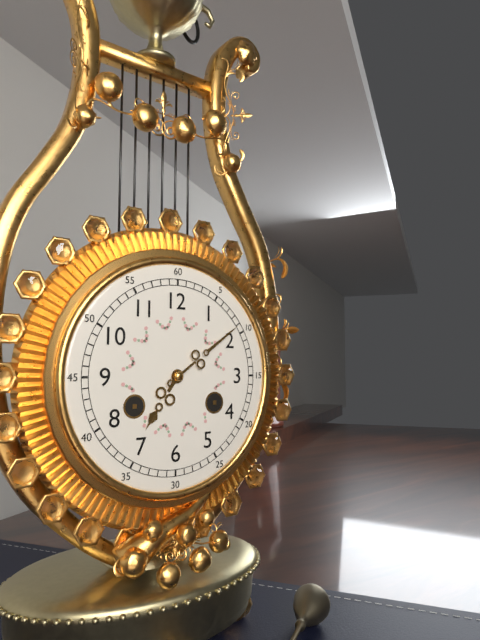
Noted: {"hour": 7, "minute": 9}
